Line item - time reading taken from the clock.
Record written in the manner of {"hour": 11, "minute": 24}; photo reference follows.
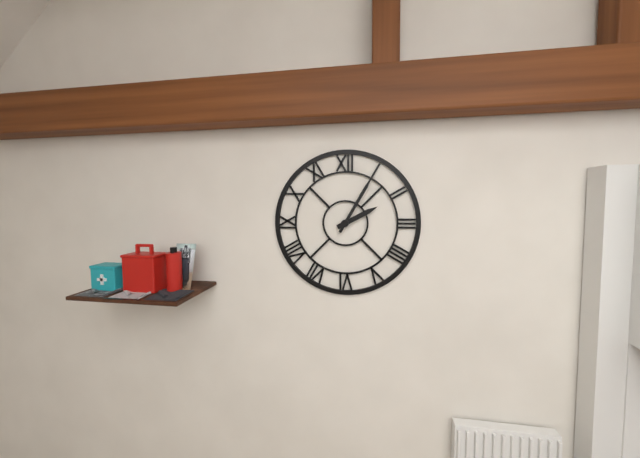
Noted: {"hour": 2, "minute": 5}
